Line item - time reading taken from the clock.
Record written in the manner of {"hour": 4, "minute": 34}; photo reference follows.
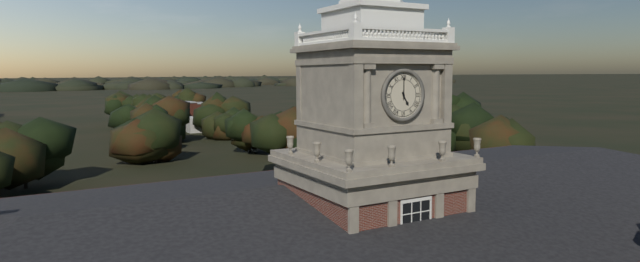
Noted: {"hour": 5, "minute": 0}
